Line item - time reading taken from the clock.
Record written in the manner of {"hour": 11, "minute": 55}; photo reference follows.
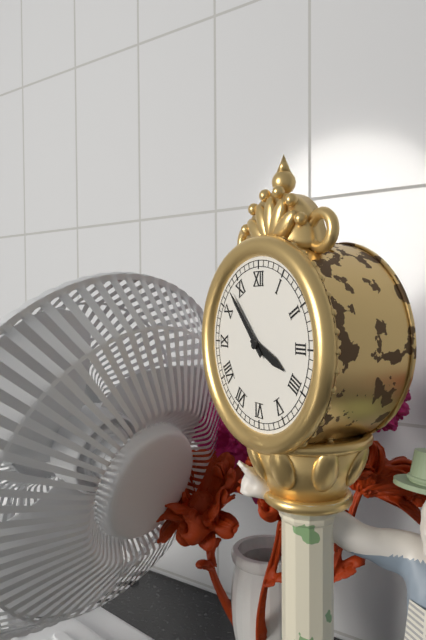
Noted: {"hour": 3, "minute": 53}
